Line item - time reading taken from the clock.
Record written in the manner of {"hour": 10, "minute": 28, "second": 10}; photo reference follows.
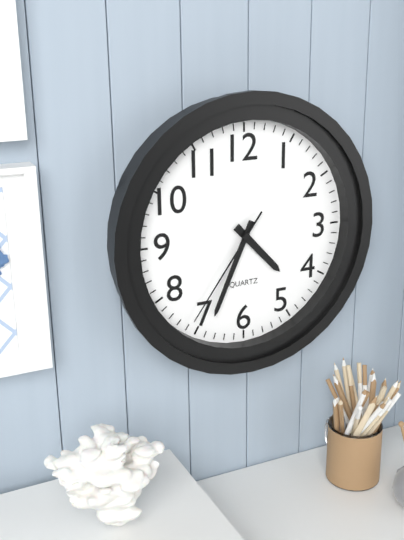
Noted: {"hour": 4, "minute": 34, "second": 36}
